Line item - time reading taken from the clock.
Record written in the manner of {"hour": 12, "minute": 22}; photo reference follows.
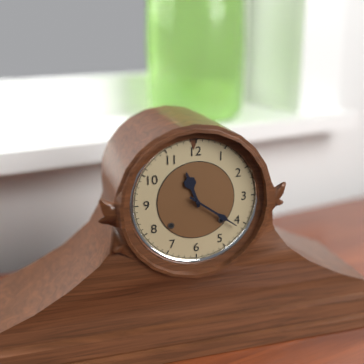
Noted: {"hour": 11, "minute": 21}
